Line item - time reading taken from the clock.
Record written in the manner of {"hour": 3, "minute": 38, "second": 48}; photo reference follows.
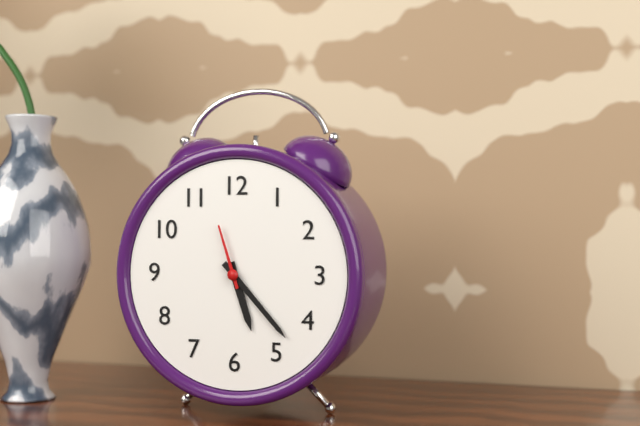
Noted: {"hour": 5, "minute": 23, "second": 57}
